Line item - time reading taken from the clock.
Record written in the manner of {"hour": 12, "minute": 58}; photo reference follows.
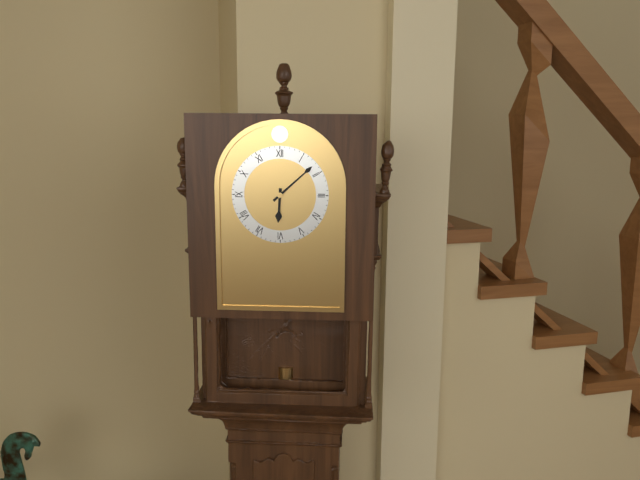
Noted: {"hour": 6, "minute": 8}
